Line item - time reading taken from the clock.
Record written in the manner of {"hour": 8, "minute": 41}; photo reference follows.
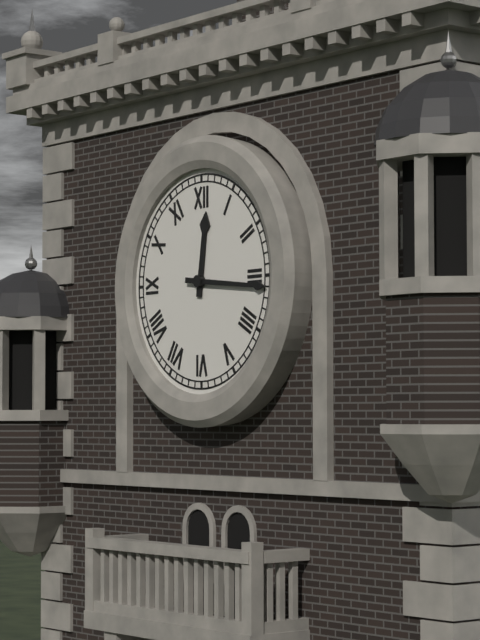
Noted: {"hour": 12, "minute": 16}
